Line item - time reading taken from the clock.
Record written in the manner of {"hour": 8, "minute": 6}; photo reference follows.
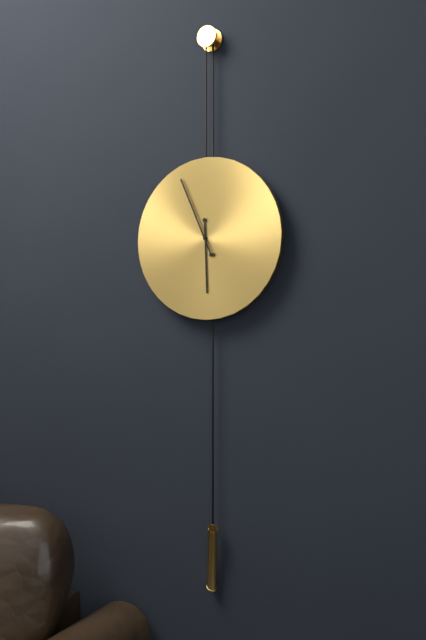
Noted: {"hour": 5, "minute": 56}
